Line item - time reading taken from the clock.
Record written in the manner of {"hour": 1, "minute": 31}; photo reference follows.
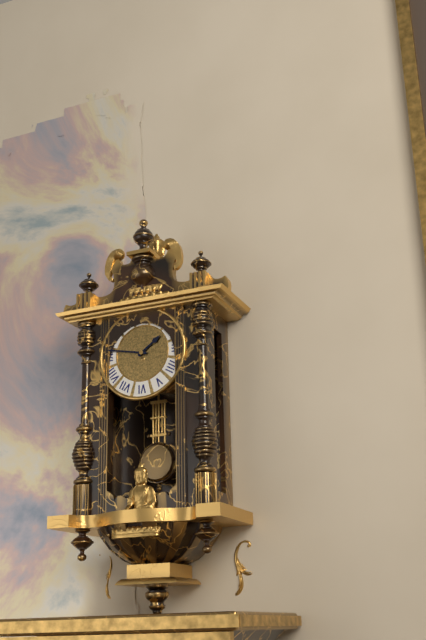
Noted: {"hour": 1, "minute": 47}
